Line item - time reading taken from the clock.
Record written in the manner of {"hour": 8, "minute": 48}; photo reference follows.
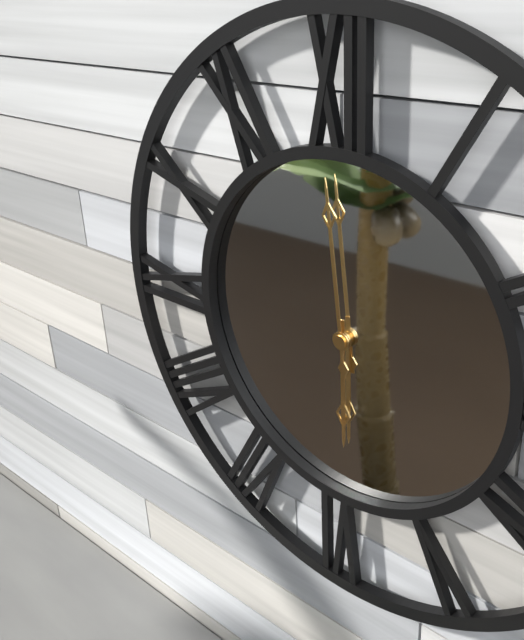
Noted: {"hour": 5, "minute": 59}
